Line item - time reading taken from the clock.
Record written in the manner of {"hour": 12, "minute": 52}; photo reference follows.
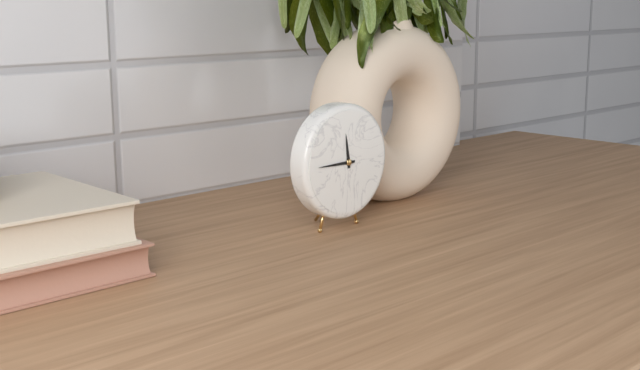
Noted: {"hour": 11, "minute": 45}
